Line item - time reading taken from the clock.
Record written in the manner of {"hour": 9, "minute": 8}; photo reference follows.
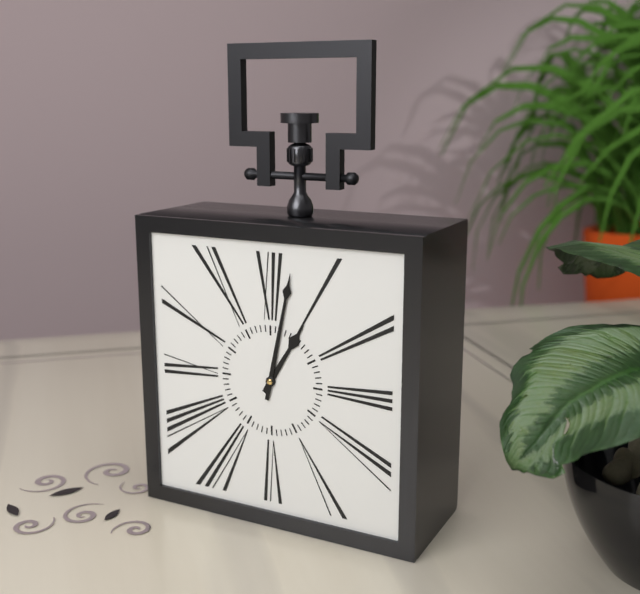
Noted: {"hour": 1, "minute": 2}
